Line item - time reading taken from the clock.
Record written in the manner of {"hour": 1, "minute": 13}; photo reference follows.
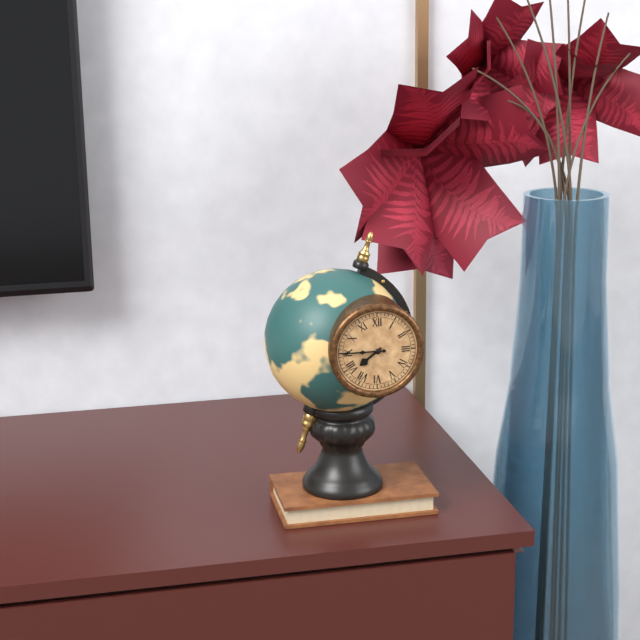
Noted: {"hour": 7, "minute": 45}
